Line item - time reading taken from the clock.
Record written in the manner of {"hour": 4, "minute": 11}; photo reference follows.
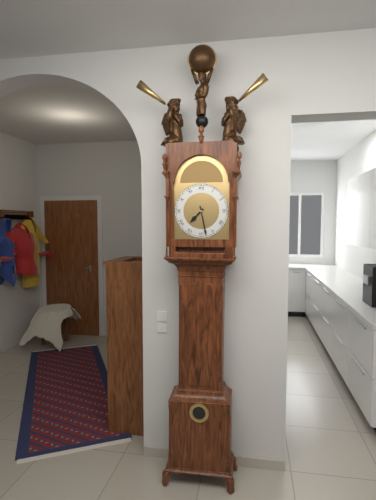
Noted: {"hour": 7, "minute": 28}
